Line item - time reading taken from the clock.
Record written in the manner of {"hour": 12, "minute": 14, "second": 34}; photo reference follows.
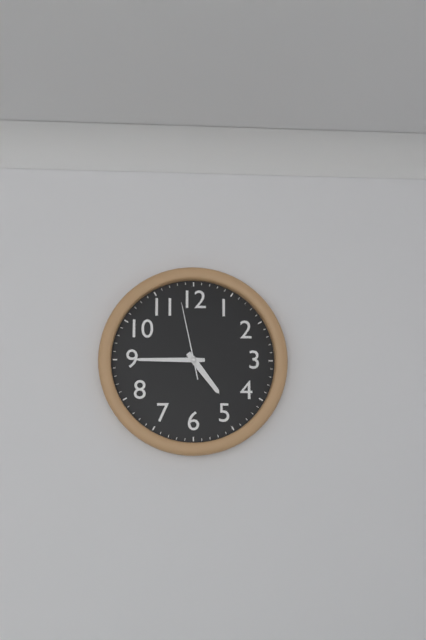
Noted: {"hour": 4, "minute": 45, "second": 58}
